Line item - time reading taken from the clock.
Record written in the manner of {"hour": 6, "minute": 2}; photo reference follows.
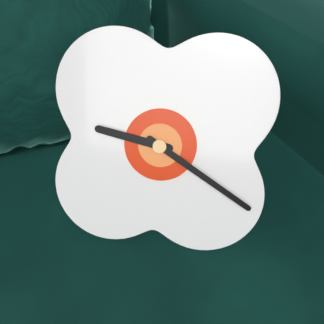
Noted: {"hour": 9, "minute": 20}
